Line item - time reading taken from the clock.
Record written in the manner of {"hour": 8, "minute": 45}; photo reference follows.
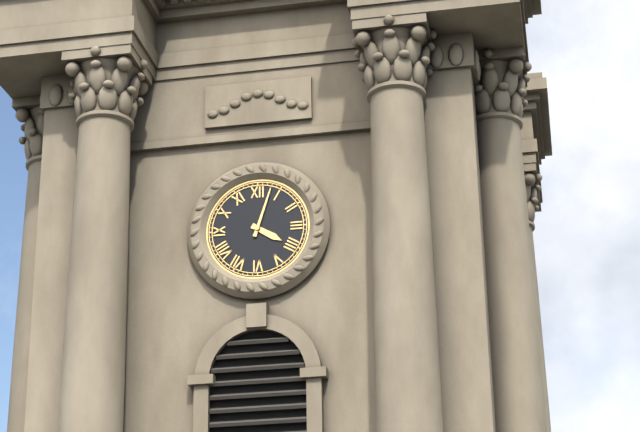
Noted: {"hour": 4, "minute": 3}
